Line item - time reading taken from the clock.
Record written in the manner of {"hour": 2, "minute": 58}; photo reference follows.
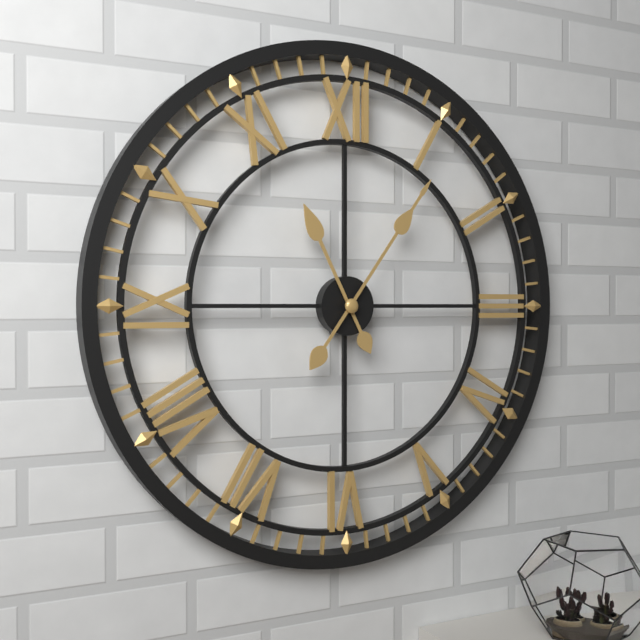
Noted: {"hour": 11, "minute": 6}
